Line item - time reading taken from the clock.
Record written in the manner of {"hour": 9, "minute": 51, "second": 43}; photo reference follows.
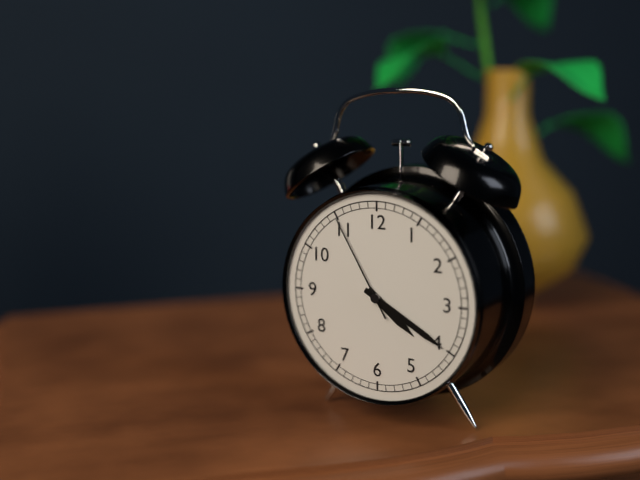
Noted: {"hour": 4, "minute": 20, "second": 55}
